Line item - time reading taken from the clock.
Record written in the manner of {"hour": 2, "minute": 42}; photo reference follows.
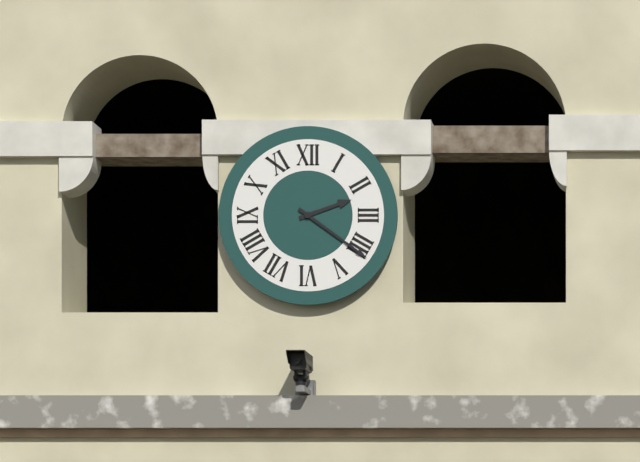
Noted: {"hour": 2, "minute": 21}
